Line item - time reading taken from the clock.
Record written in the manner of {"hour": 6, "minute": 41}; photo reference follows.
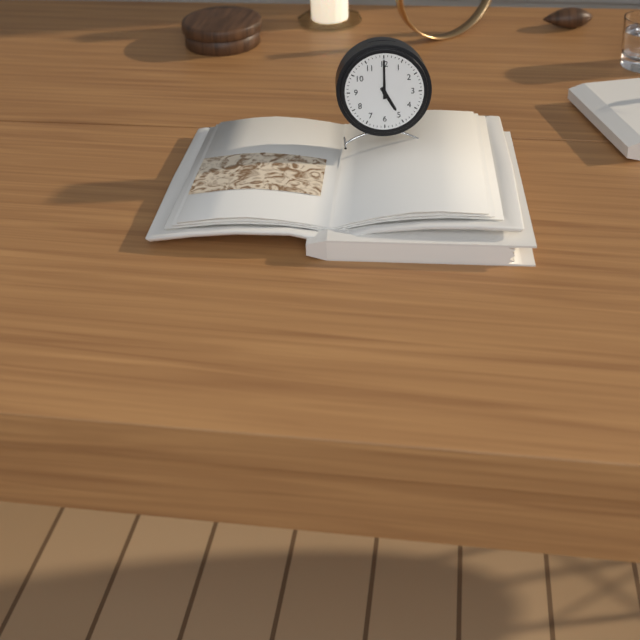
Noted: {"hour": 5, "minute": 0}
